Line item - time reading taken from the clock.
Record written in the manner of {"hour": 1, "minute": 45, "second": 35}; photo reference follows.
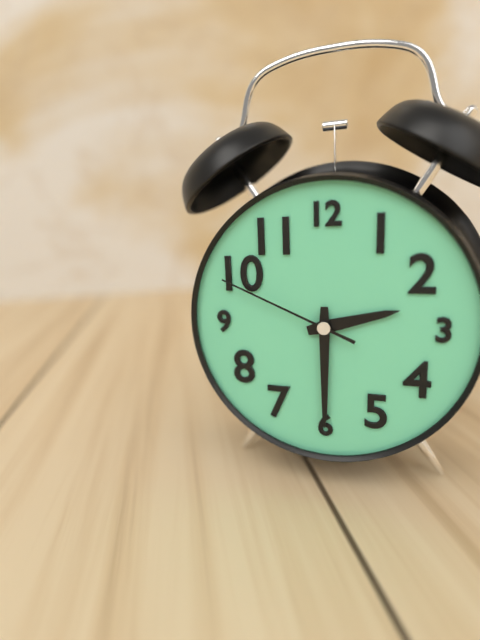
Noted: {"hour": 2, "minute": 30, "second": 49}
